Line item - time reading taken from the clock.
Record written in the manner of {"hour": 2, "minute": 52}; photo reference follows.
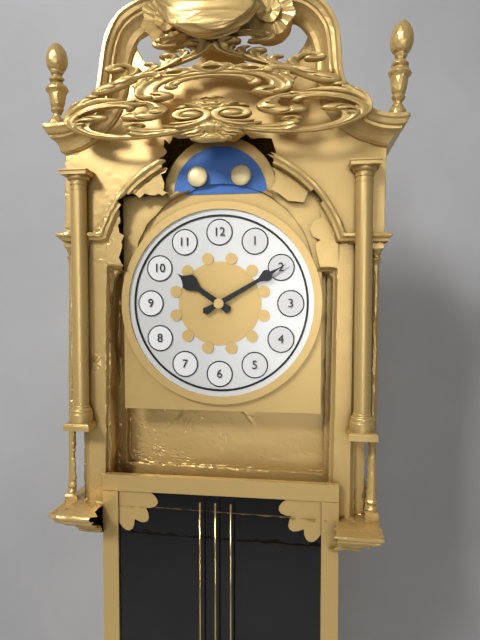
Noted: {"hour": 10, "minute": 10}
